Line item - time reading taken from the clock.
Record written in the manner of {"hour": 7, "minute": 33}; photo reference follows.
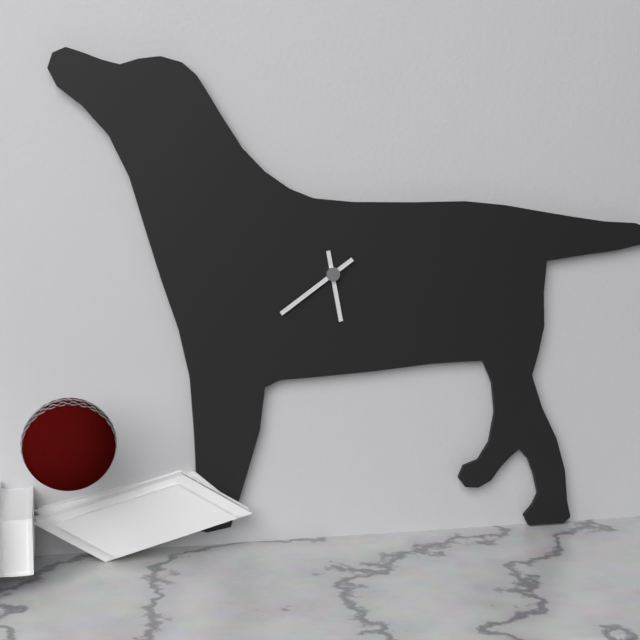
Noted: {"hour": 5, "minute": 39}
